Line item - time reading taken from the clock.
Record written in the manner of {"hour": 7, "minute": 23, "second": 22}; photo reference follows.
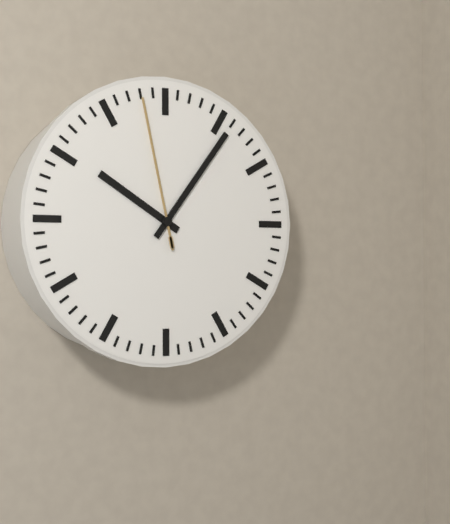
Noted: {"hour": 10, "minute": 6, "second": 58}
